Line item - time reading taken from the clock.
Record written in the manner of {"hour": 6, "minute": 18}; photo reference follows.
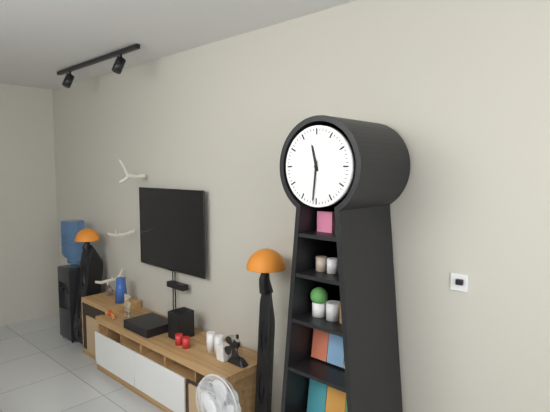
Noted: {"hour": 11, "minute": 31}
